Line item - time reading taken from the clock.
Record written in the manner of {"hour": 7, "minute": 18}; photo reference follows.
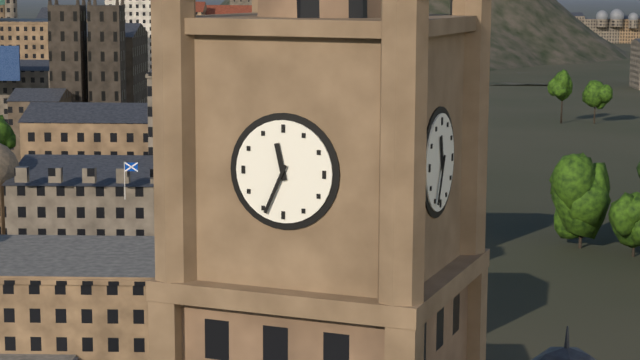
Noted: {"hour": 11, "minute": 34}
